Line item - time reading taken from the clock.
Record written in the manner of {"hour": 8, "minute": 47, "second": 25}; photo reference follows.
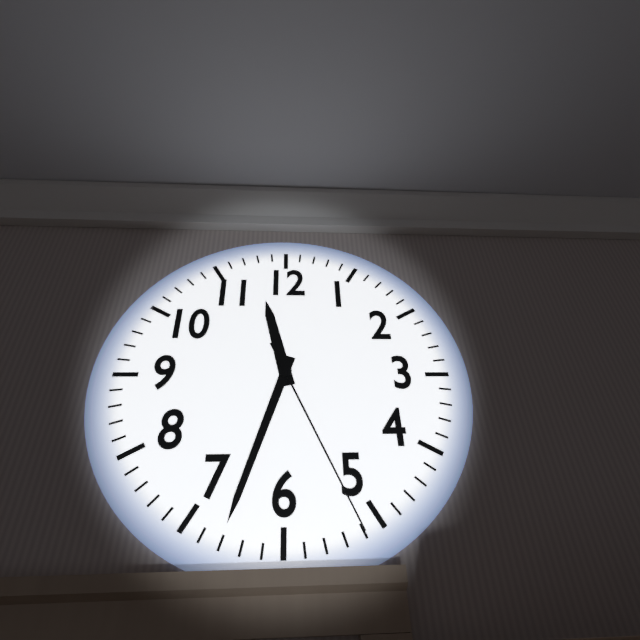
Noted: {"hour": 11, "minute": 33, "second": 26}
